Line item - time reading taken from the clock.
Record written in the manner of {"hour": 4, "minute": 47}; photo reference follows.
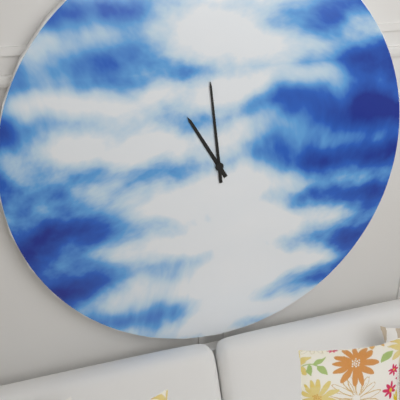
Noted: {"hour": 10, "minute": 59}
